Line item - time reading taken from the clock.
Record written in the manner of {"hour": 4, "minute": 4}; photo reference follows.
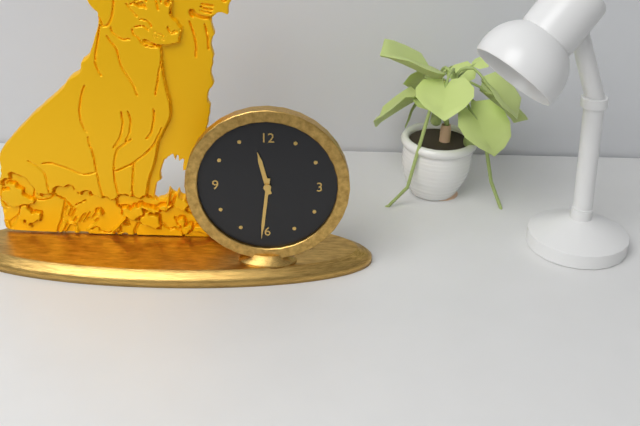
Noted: {"hour": 11, "minute": 31}
